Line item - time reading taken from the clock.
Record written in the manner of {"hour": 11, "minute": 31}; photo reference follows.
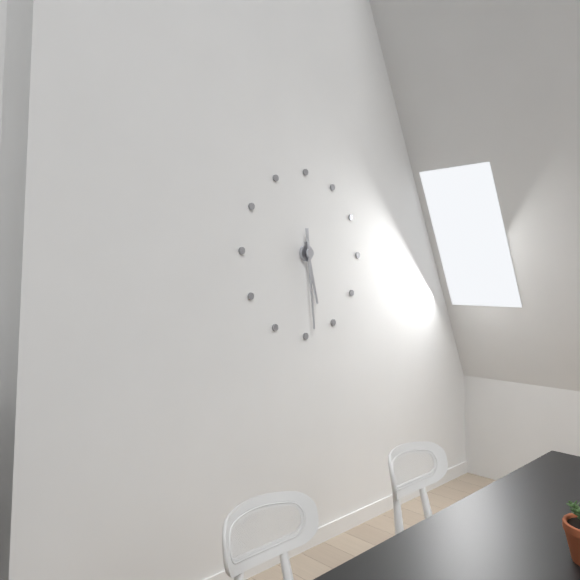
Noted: {"hour": 5, "minute": 29}
